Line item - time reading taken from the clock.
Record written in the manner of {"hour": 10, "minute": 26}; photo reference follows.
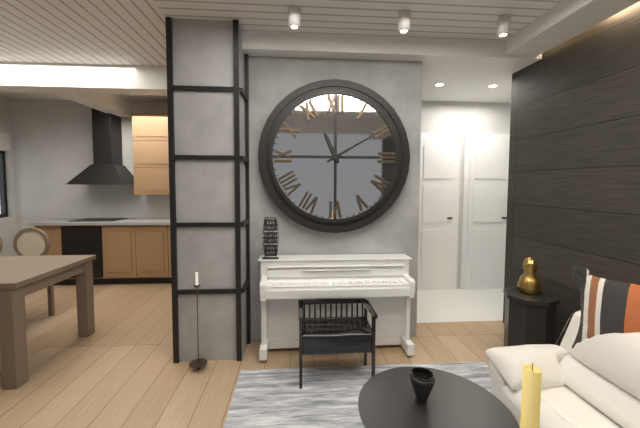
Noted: {"hour": 11, "minute": 10}
